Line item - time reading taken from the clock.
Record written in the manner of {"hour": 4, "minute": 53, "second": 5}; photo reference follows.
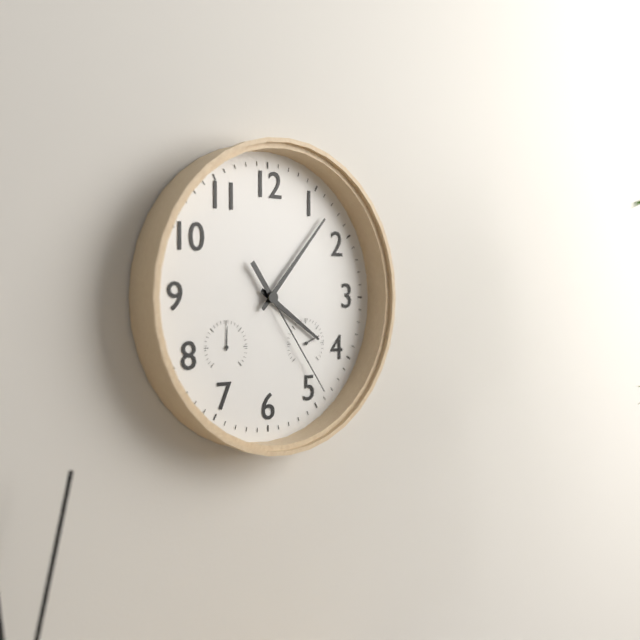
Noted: {"hour": 4, "minute": 7, "second": 24}
